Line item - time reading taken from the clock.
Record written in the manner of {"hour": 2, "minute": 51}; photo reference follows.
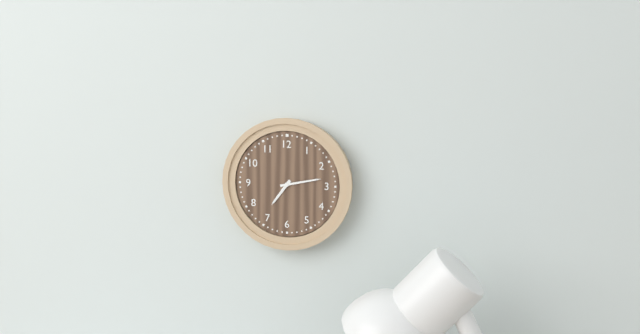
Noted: {"hour": 7, "minute": 13}
